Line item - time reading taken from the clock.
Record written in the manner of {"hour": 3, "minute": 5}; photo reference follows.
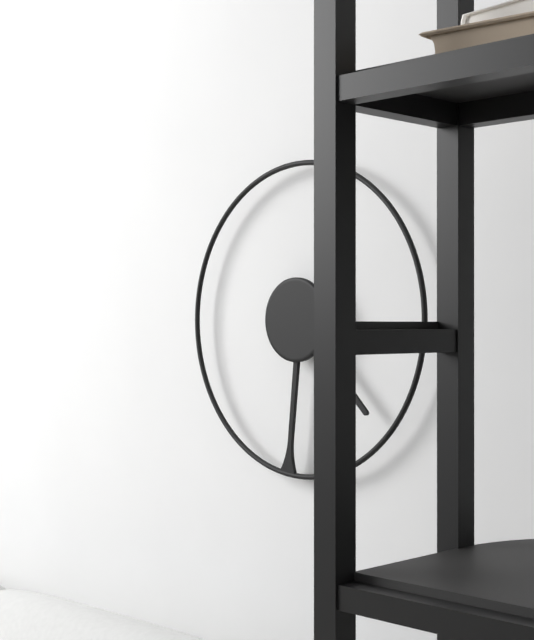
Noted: {"hour": 4, "minute": 31}
